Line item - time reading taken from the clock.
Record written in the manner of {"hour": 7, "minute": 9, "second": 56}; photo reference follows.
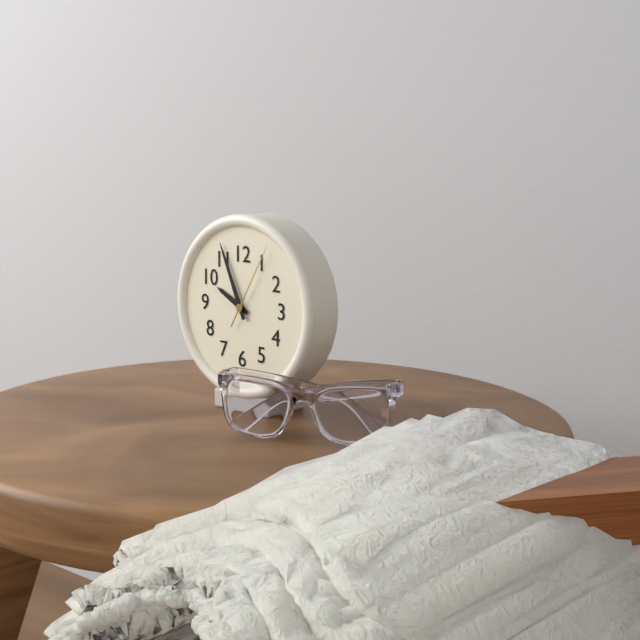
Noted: {"hour": 9, "minute": 56, "second": 5}
